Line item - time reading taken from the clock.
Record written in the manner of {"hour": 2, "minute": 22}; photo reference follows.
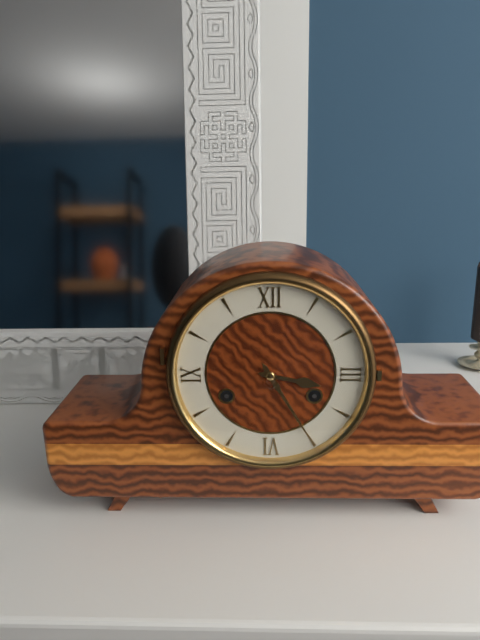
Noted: {"hour": 3, "minute": 25}
